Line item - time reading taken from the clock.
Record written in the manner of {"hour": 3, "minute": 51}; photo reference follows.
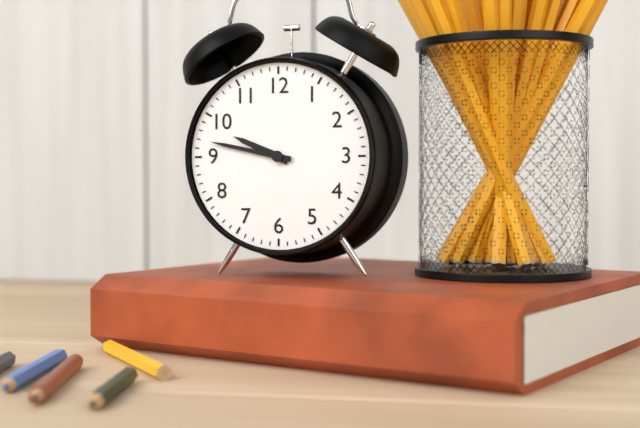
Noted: {"hour": 9, "minute": 47}
